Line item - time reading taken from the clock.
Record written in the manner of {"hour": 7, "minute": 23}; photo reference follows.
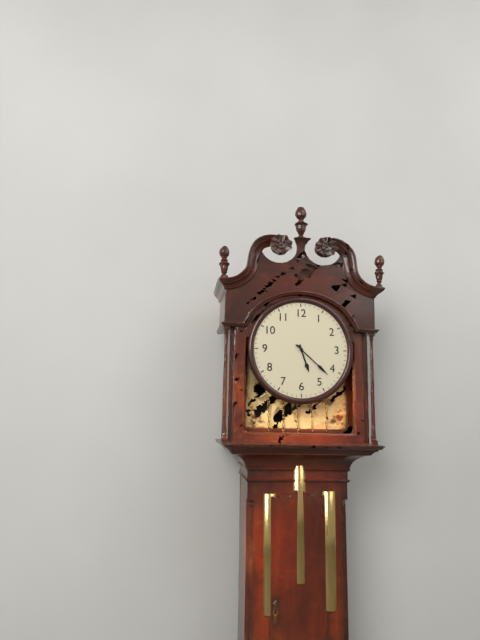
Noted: {"hour": 5, "minute": 22}
